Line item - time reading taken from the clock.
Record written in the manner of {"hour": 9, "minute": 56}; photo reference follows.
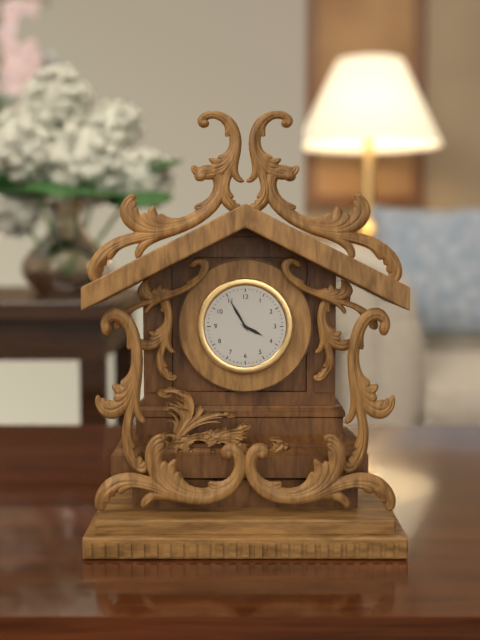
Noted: {"hour": 3, "minute": 55}
